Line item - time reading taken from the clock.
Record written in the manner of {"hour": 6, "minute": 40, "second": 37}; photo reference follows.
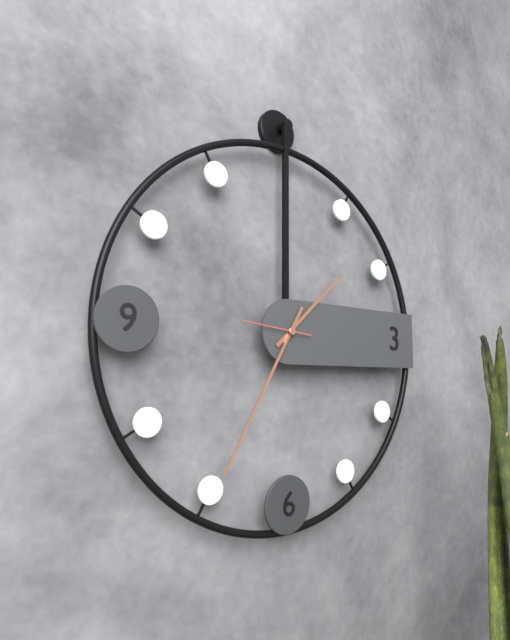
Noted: {"hour": 1, "minute": 35, "second": 46}
